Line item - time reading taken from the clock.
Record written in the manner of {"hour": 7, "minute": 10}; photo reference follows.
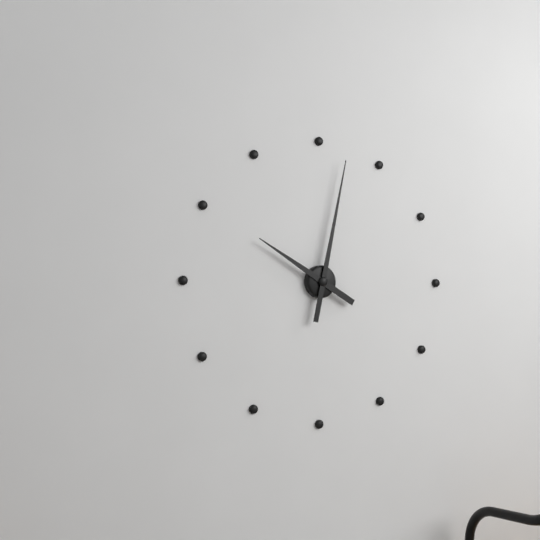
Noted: {"hour": 10, "minute": 2}
